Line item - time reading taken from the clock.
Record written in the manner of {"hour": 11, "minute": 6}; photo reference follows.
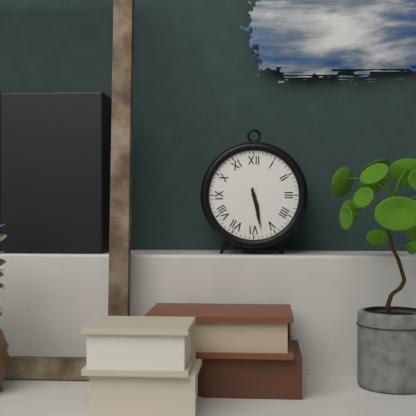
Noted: {"hour": 5, "minute": 28}
